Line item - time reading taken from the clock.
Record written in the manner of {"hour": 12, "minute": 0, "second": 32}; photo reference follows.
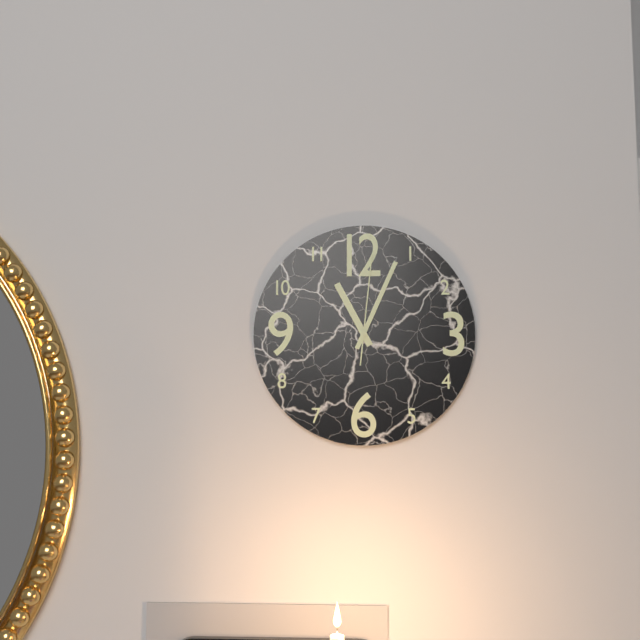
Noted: {"hour": 11, "minute": 4, "second": 1}
